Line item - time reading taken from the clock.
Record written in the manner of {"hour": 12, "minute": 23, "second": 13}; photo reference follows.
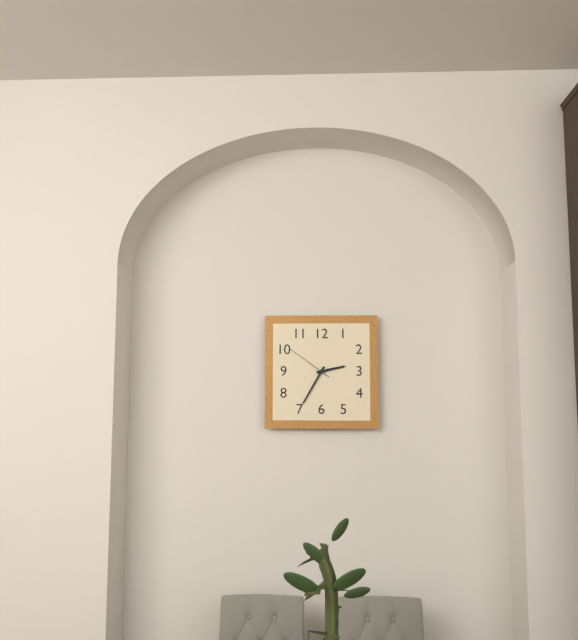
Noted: {"hour": 2, "minute": 35, "second": 51}
